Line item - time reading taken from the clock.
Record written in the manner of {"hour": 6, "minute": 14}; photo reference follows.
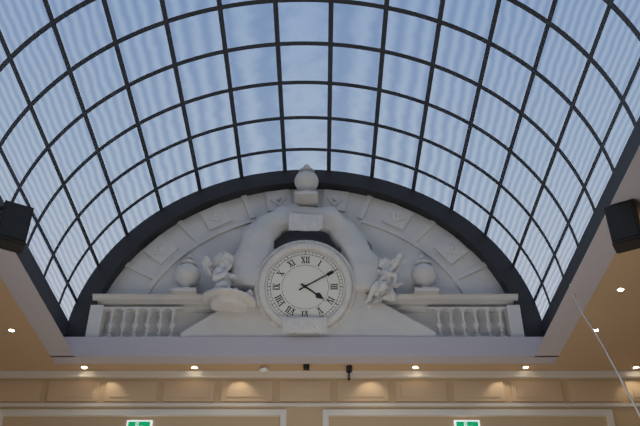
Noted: {"hour": 4, "minute": 10}
